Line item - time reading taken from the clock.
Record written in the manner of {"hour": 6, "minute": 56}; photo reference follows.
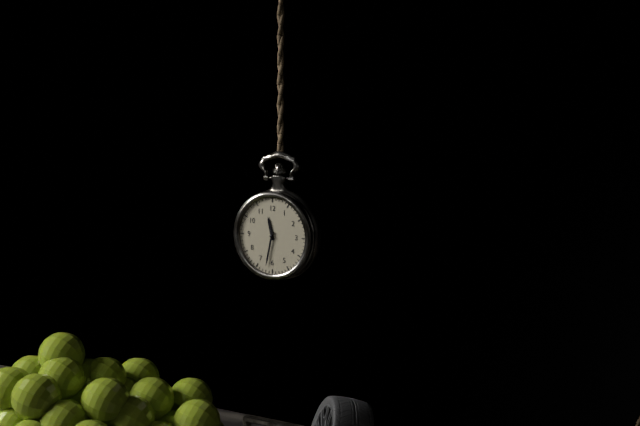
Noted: {"hour": 11, "minute": 32}
